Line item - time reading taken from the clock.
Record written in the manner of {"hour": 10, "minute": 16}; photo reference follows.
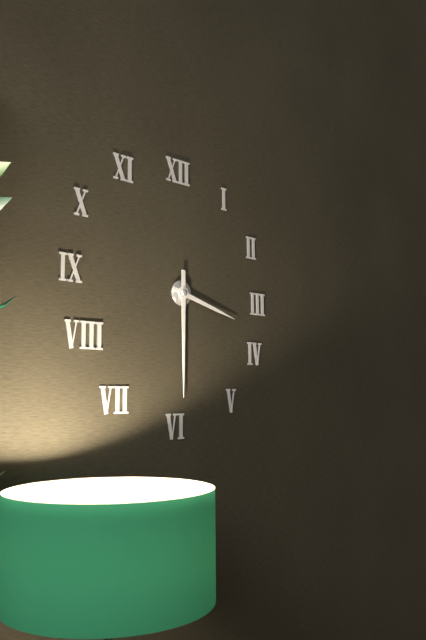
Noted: {"hour": 3, "minute": 30}
